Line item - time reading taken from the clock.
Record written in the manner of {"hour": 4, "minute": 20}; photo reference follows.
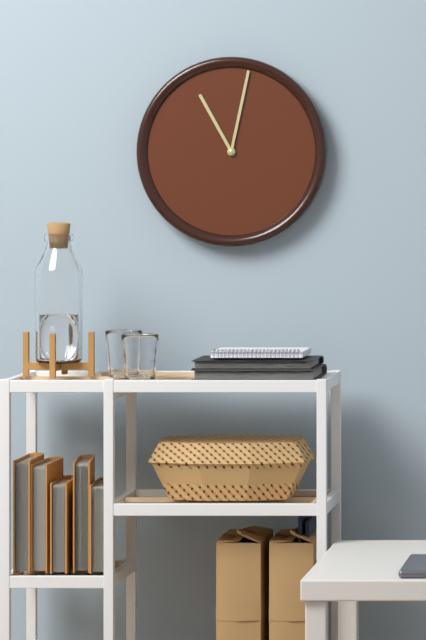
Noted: {"hour": 11, "minute": 2}
